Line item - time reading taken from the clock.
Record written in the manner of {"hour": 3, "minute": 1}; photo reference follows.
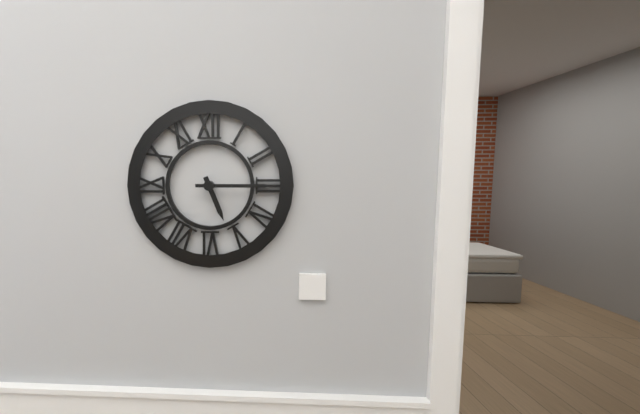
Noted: {"hour": 5, "minute": 15}
